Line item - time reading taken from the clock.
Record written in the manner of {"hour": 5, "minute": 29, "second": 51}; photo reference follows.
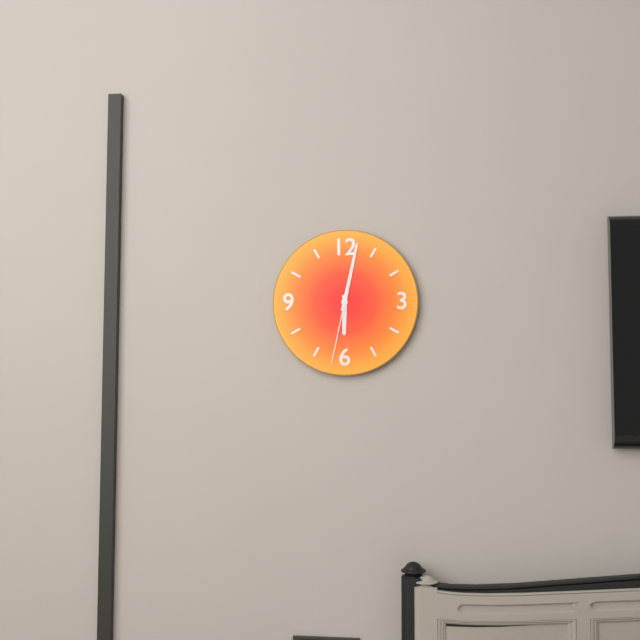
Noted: {"hour": 6, "minute": 2, "second": 32}
